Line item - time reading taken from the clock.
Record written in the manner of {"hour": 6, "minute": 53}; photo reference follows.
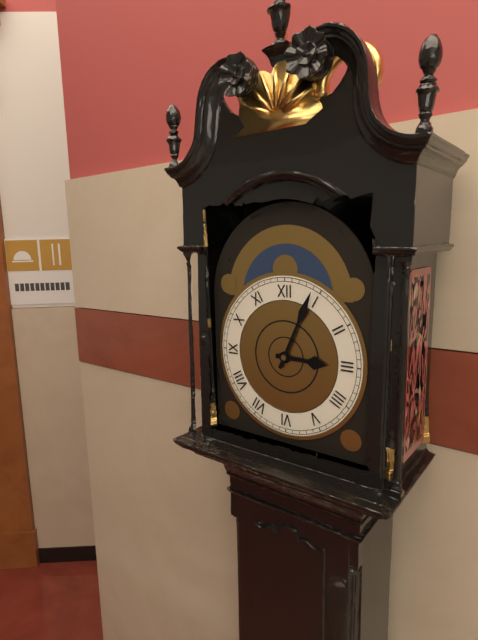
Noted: {"hour": 3, "minute": 4}
